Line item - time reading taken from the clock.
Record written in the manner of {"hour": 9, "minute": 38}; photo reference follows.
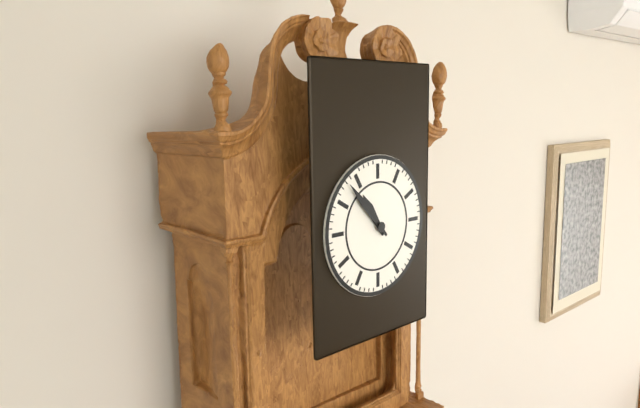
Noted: {"hour": 10, "minute": 53}
